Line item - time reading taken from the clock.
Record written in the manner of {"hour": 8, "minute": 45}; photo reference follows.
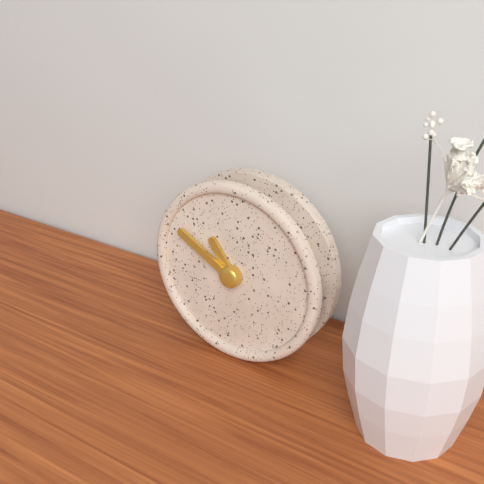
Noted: {"hour": 10, "minute": 50}
